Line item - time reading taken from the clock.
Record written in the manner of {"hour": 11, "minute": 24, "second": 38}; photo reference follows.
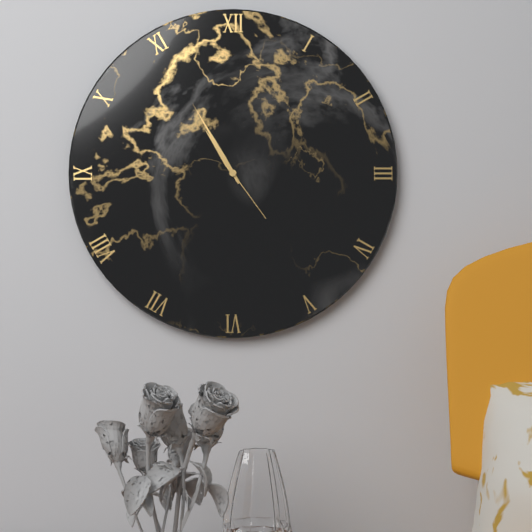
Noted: {"hour": 10, "minute": 55, "second": 24}
